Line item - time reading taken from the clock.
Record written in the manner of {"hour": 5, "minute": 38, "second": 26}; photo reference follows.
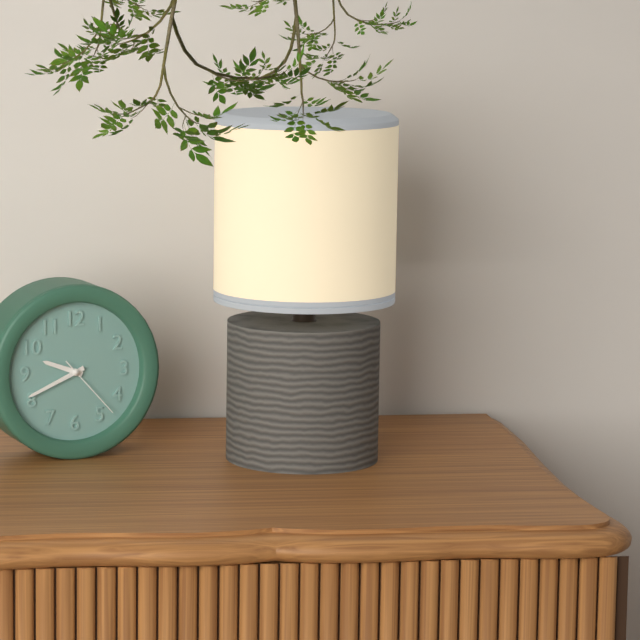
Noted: {"hour": 9, "minute": 41, "second": 23}
